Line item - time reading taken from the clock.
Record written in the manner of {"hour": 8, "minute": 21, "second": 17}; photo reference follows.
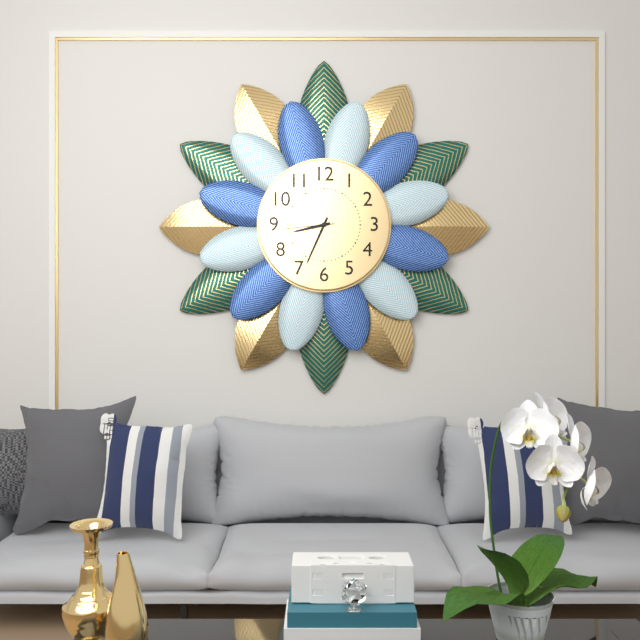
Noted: {"hour": 8, "minute": 34, "second": 44}
